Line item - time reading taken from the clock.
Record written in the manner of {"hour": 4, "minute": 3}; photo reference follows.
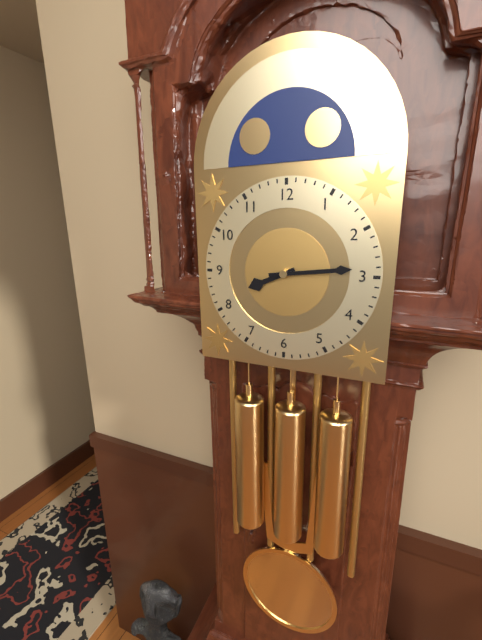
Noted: {"hour": 8, "minute": 14}
